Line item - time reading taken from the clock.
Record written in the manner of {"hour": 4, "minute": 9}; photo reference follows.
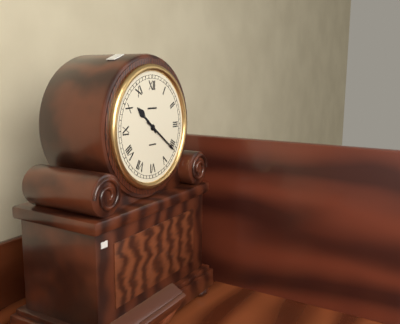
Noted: {"hour": 10, "minute": 21}
